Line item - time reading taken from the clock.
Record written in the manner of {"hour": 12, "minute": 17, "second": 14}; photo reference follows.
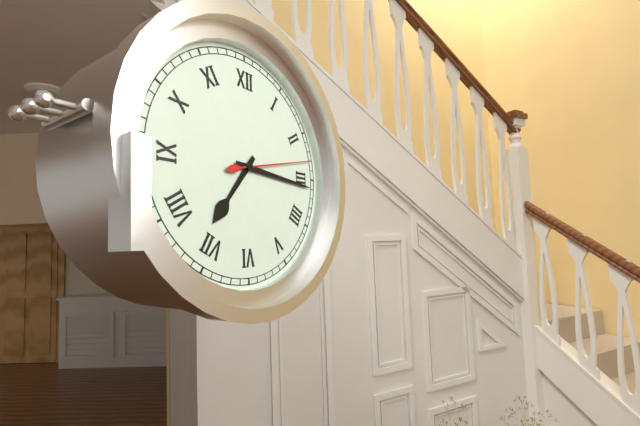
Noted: {"hour": 7, "minute": 16, "second": 13}
